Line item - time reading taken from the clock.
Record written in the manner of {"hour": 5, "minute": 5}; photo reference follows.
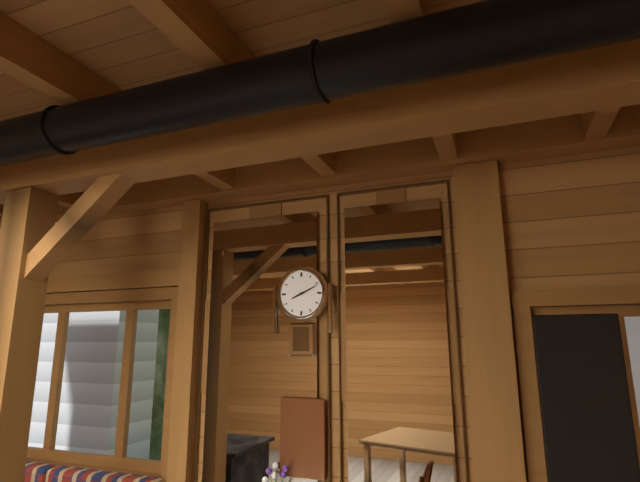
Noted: {"hour": 8, "minute": 11}
